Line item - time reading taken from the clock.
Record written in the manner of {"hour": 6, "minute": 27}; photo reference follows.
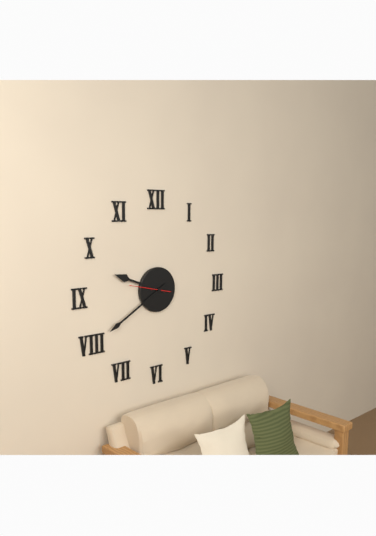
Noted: {"hour": 9, "minute": 40}
